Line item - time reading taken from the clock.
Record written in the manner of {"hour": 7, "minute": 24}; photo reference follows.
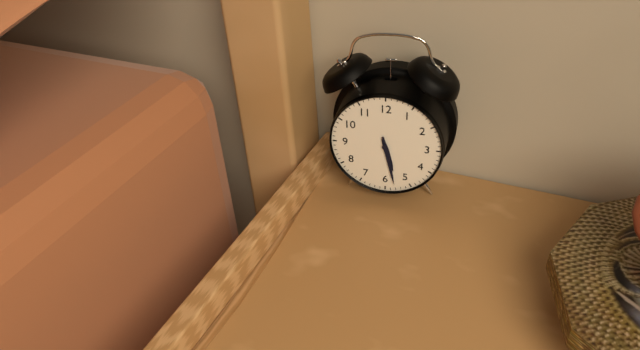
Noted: {"hour": 5, "minute": 28}
